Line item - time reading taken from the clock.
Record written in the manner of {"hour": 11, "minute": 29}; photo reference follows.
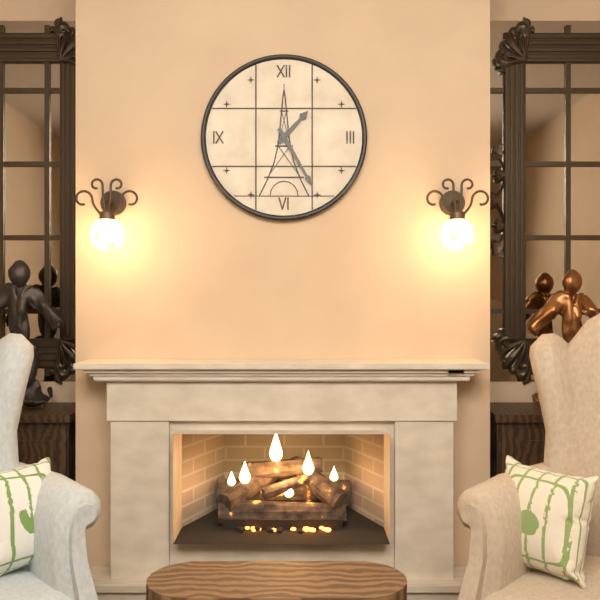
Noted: {"hour": 1, "minute": 25}
